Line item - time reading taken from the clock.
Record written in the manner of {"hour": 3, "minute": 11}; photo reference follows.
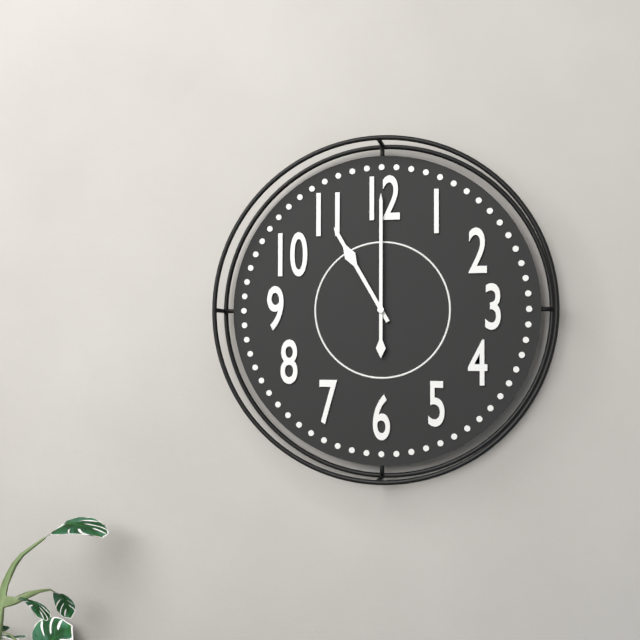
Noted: {"hour": 11, "minute": 0}
